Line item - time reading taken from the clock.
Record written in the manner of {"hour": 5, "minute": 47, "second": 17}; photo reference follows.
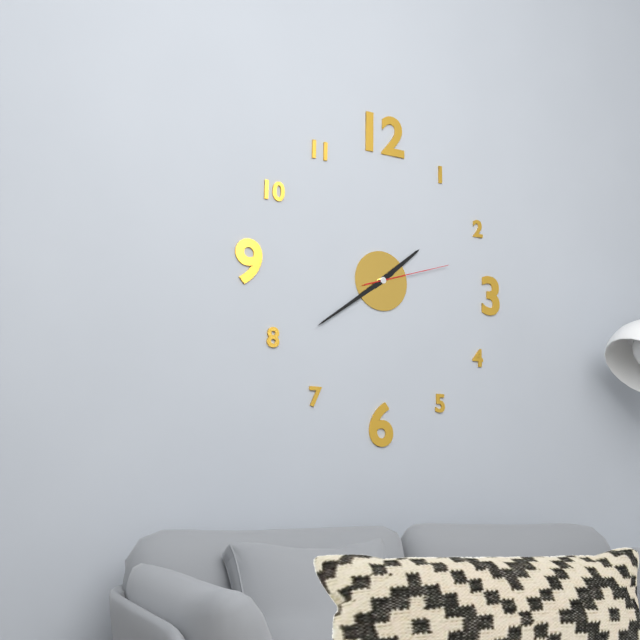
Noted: {"hour": 1, "minute": 39, "second": 12}
